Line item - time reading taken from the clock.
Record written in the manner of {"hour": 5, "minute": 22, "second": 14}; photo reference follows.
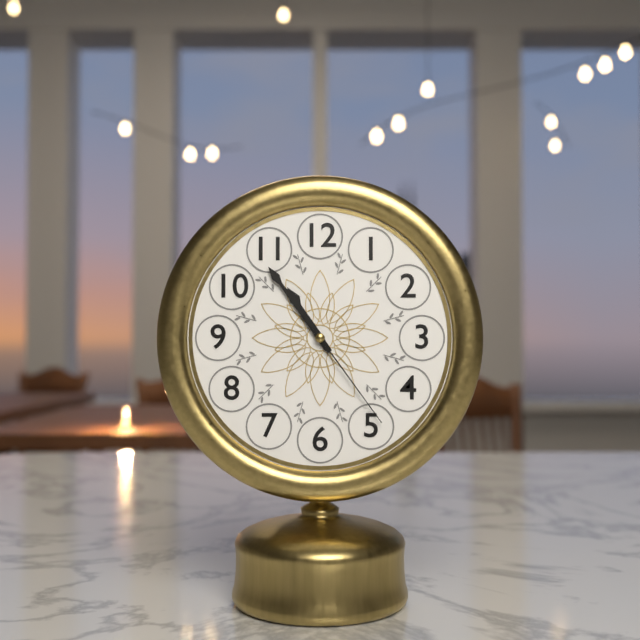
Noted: {"hour": 10, "minute": 54, "second": 24}
